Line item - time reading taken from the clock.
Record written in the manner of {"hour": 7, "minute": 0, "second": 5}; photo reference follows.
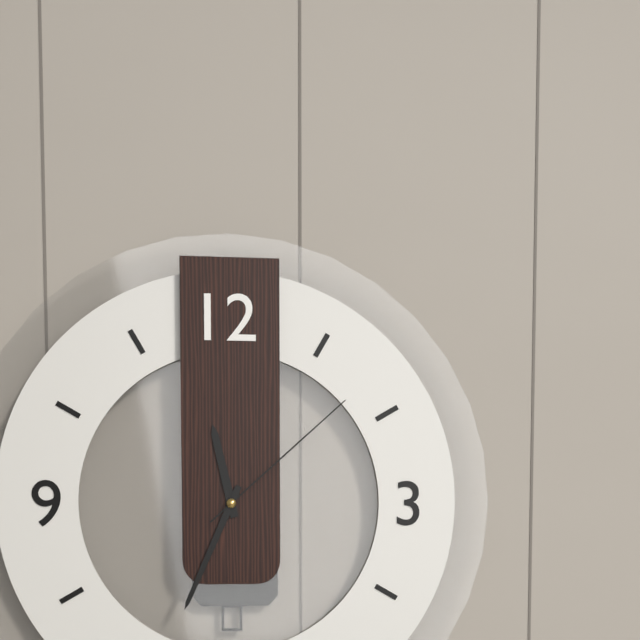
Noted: {"hour": 11, "minute": 34, "second": 8}
